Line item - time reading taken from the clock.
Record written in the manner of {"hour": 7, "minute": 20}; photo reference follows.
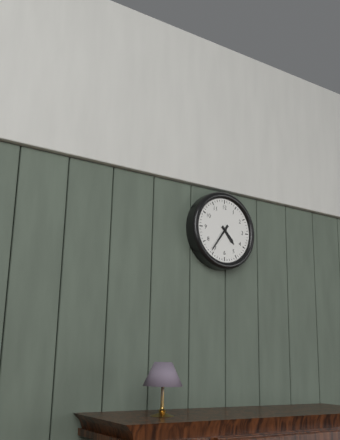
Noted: {"hour": 4, "minute": 36}
